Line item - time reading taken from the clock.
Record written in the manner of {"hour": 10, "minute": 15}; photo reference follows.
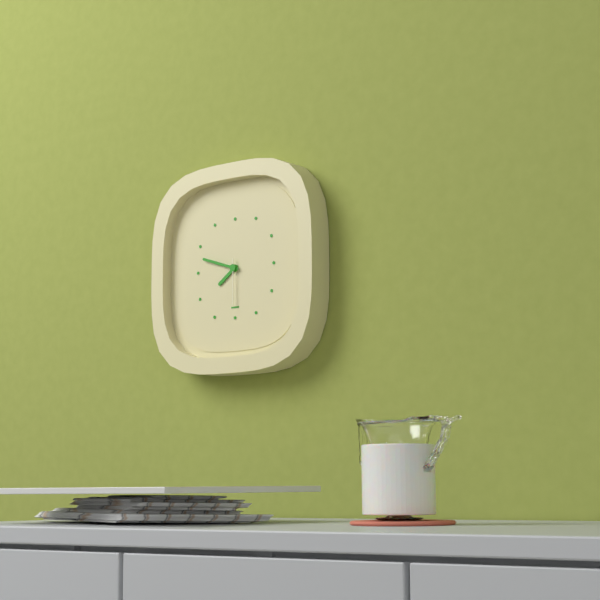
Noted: {"hour": 7, "minute": 48}
